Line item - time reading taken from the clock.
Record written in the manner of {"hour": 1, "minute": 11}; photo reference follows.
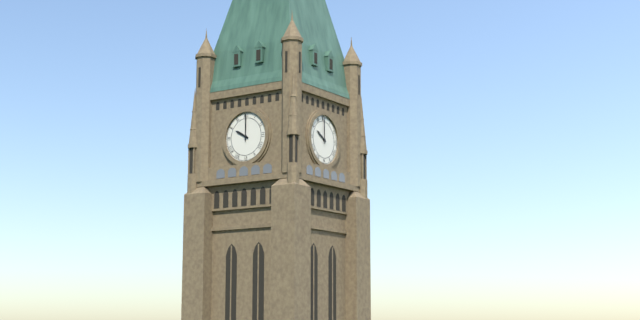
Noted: {"hour": 10, "minute": 0}
